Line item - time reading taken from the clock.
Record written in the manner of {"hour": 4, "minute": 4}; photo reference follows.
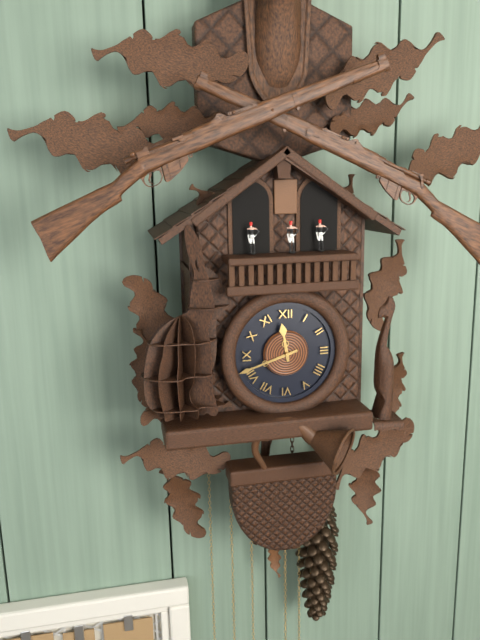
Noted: {"hour": 11, "minute": 42}
